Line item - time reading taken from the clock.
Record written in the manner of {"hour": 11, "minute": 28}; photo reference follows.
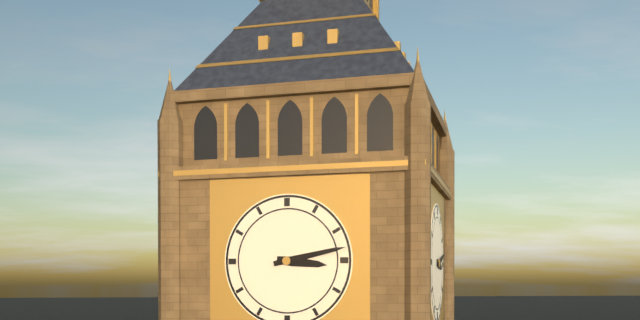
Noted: {"hour": 3, "minute": 13}
